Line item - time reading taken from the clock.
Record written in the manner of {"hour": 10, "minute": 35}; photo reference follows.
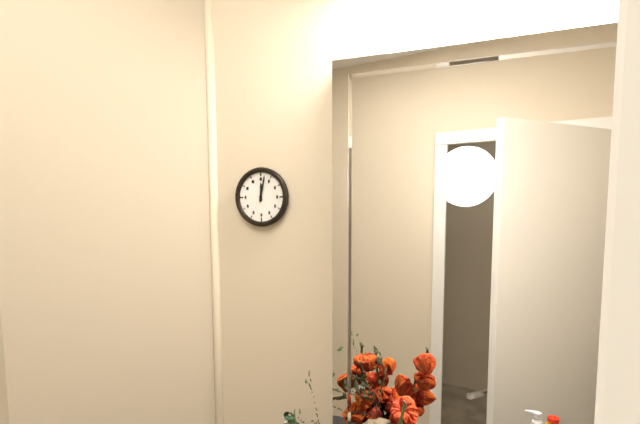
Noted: {"hour": 12, "minute": 2}
